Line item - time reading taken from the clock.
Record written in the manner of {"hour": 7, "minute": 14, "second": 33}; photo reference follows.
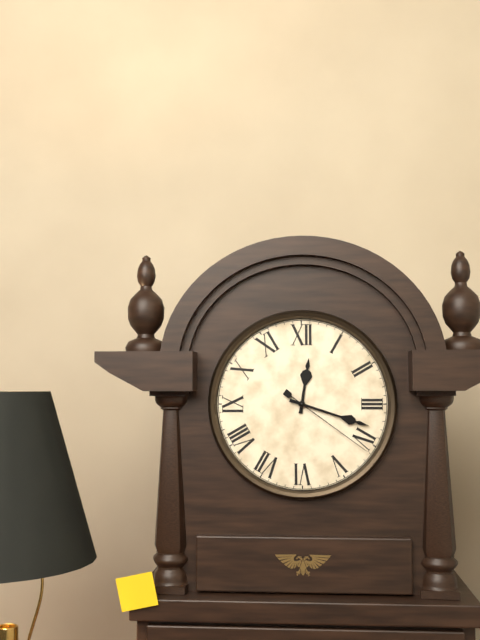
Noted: {"hour": 12, "minute": 18, "second": 21}
